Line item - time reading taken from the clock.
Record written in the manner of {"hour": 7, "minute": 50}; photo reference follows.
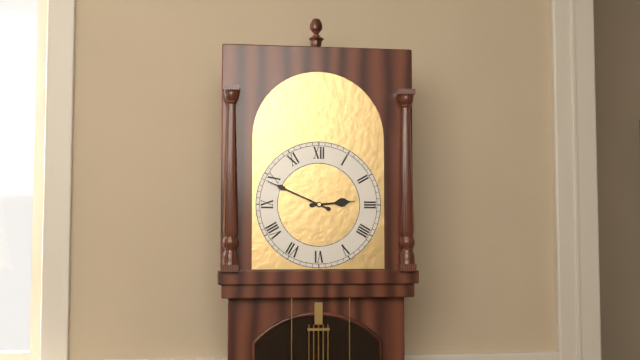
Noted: {"hour": 2, "minute": 49}
